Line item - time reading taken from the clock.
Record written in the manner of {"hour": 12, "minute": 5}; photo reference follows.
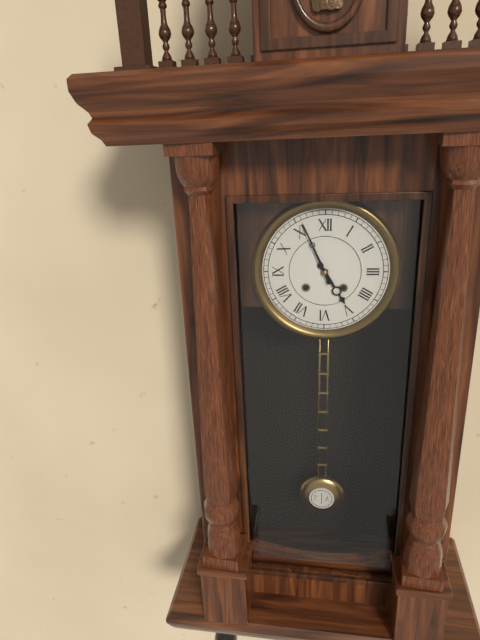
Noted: {"hour": 4, "minute": 56}
